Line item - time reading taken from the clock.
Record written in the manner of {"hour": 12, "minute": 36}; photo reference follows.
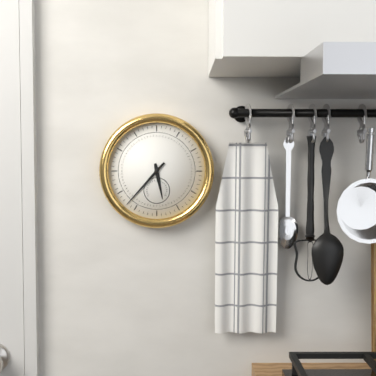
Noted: {"hour": 5, "minute": 37}
